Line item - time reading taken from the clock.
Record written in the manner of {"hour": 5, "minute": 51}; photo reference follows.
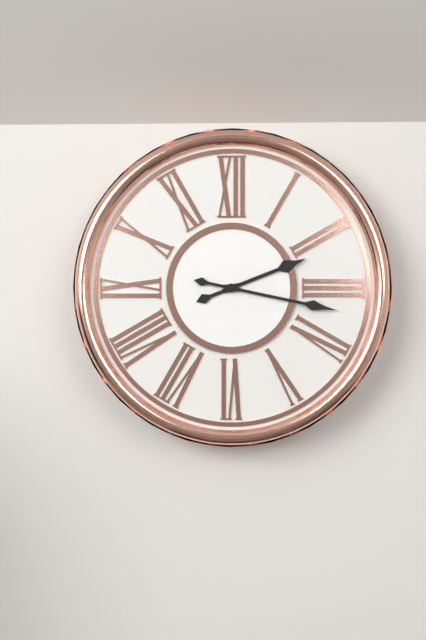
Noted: {"hour": 2, "minute": 17}
